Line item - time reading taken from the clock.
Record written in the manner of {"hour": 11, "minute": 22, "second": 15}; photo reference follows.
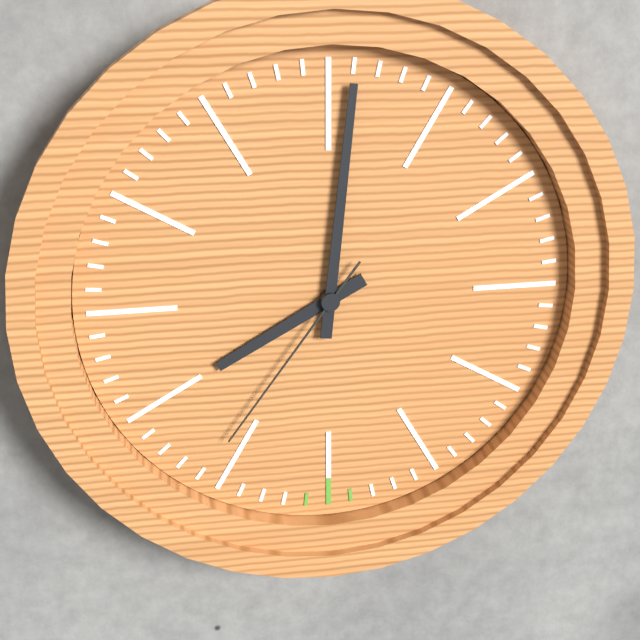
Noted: {"hour": 8, "minute": 1, "second": 36}
